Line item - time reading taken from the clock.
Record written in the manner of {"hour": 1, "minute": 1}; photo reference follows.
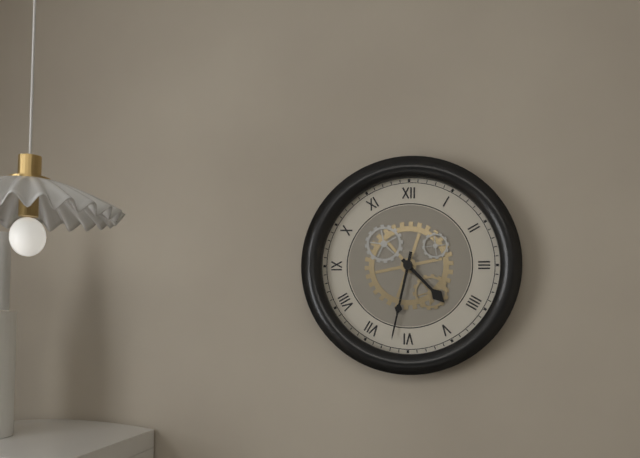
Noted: {"hour": 4, "minute": 32}
